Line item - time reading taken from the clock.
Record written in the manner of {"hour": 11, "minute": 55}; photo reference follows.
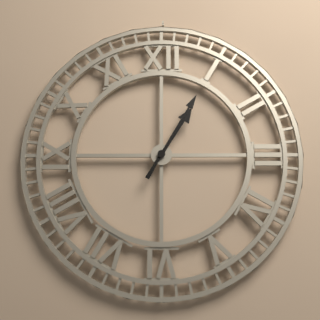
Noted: {"hour": 1, "minute": 5}
